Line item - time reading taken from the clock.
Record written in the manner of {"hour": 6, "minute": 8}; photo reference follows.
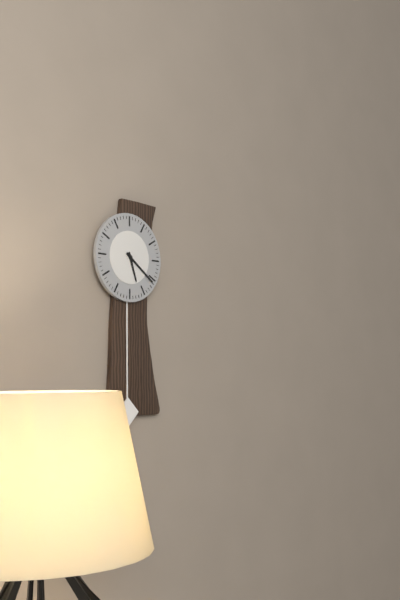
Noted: {"hour": 5, "minute": 21}
